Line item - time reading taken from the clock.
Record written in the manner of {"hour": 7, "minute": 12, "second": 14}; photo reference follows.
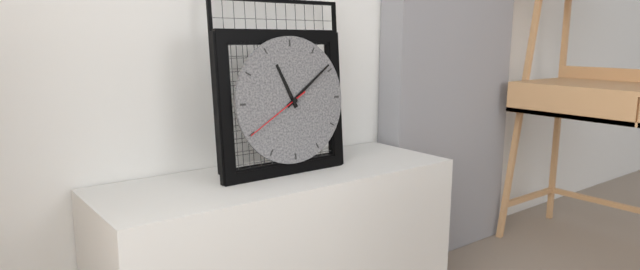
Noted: {"hour": 11, "minute": 9, "second": 40}
